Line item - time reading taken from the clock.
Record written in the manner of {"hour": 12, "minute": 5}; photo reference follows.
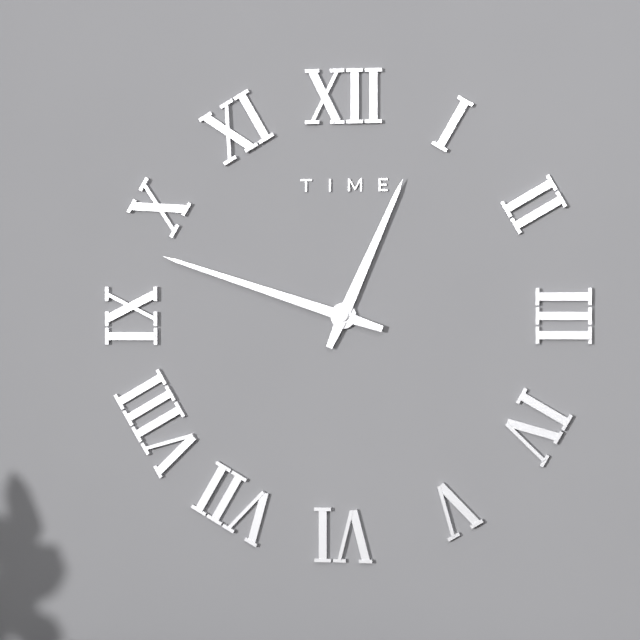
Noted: {"hour": 12, "minute": 48}
